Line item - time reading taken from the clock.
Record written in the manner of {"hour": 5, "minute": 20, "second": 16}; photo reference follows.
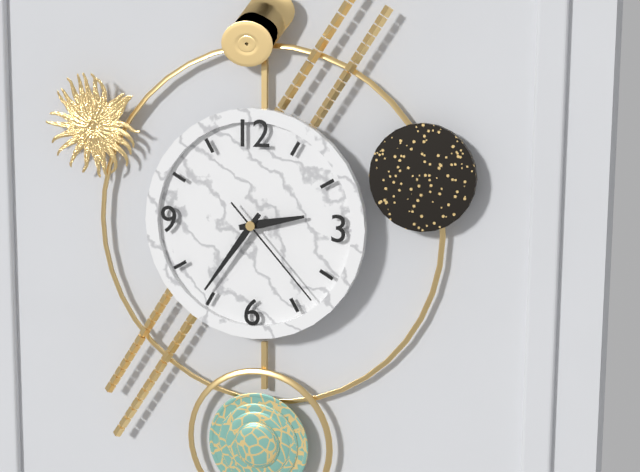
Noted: {"hour": 2, "minute": 36, "second": 23}
